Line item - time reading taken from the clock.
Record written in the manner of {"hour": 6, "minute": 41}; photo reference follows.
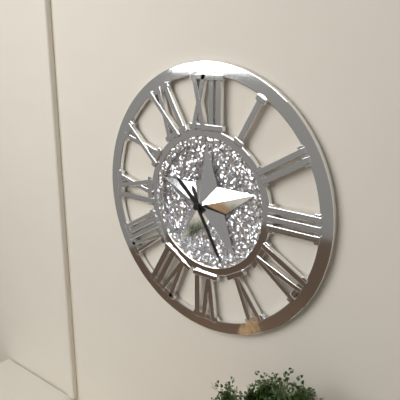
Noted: {"hour": 10, "minute": 25}
